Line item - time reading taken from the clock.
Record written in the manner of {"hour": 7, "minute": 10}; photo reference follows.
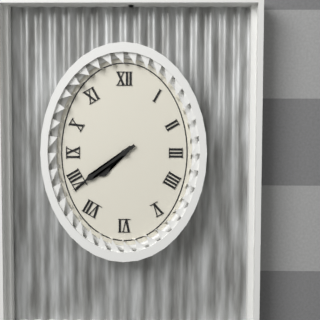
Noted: {"hour": 7, "minute": 39}
